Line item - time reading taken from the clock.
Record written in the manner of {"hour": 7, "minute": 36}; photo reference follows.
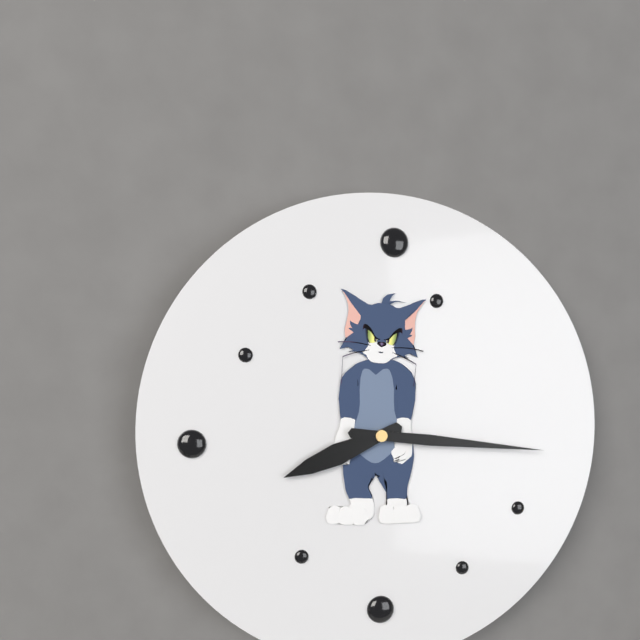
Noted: {"hour": 8, "minute": 16}
